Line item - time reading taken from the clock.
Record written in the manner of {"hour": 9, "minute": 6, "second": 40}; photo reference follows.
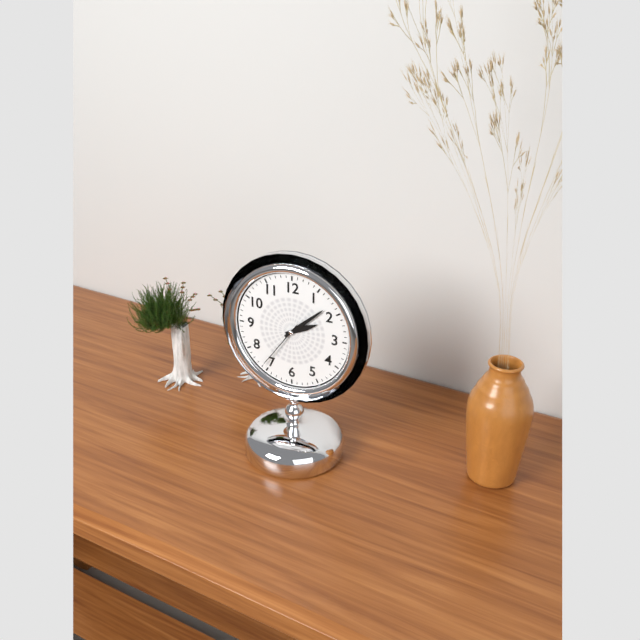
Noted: {"hour": 2, "minute": 8, "second": 36}
